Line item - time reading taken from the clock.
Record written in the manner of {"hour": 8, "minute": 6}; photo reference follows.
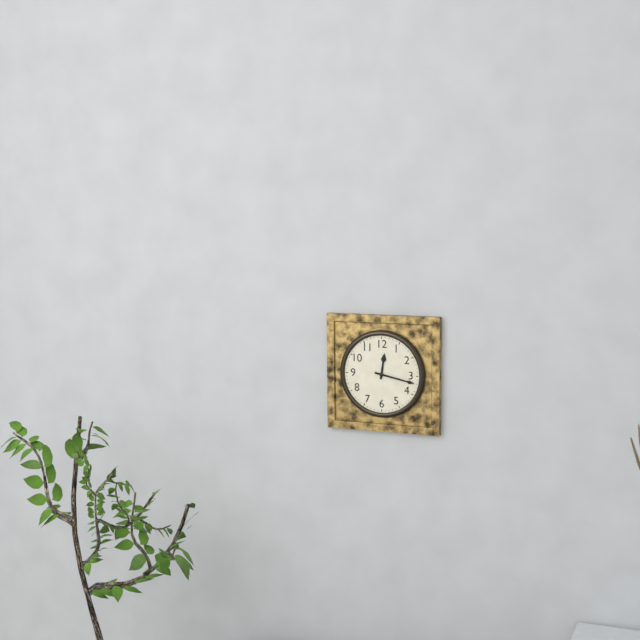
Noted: {"hour": 12, "minute": 17}
